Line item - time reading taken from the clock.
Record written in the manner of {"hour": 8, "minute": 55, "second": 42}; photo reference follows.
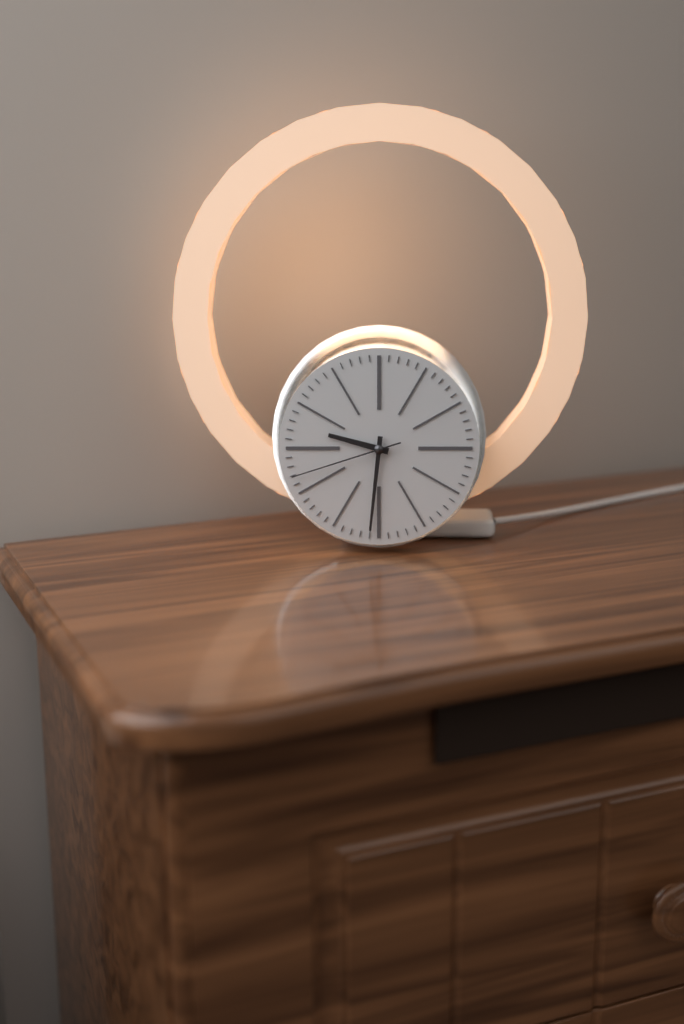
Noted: {"hour": 9, "minute": 31, "second": 42}
